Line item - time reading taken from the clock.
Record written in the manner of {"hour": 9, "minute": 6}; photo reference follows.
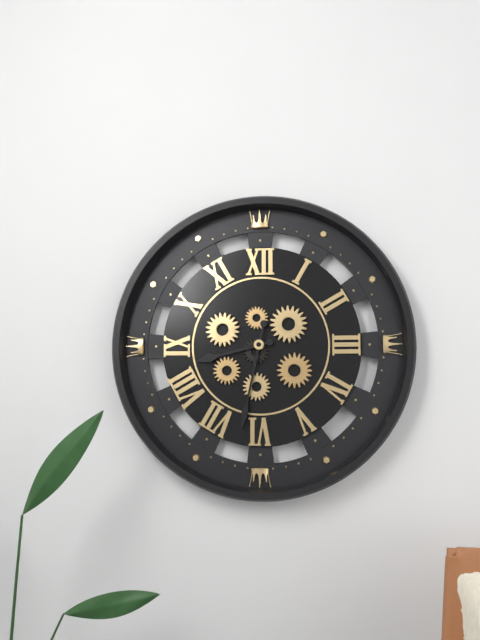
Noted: {"hour": 8, "minute": 32}
